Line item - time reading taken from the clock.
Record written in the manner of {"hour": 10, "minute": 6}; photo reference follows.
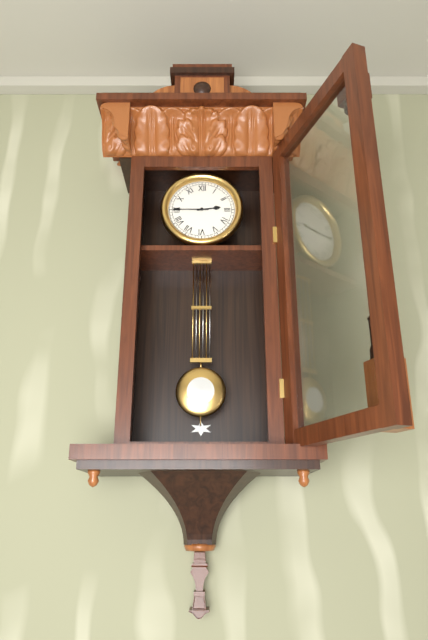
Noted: {"hour": 2, "minute": 45}
